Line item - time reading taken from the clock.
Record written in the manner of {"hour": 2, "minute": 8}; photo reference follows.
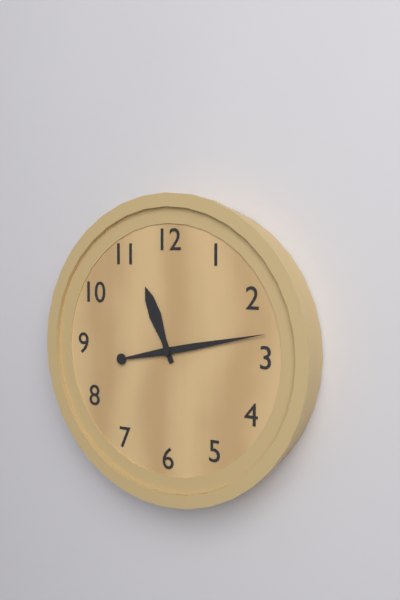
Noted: {"hour": 11, "minute": 13}
